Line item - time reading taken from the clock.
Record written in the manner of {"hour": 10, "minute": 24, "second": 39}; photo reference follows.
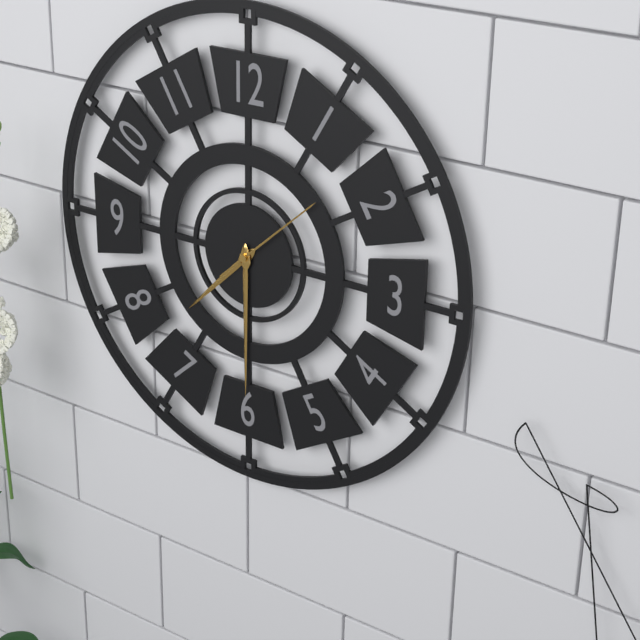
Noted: {"hour": 7, "minute": 30, "second": 8}
